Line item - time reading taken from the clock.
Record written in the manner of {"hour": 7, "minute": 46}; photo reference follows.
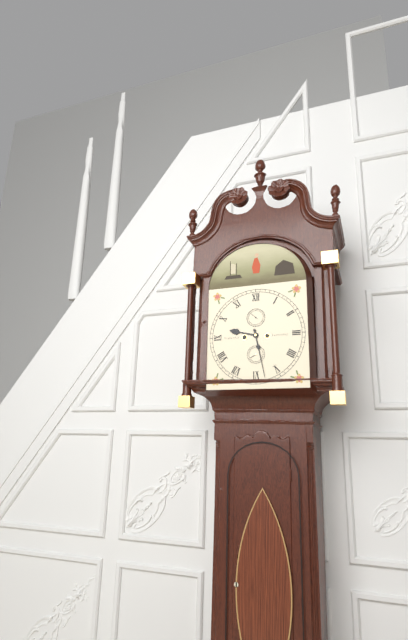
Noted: {"hour": 9, "minute": 28}
